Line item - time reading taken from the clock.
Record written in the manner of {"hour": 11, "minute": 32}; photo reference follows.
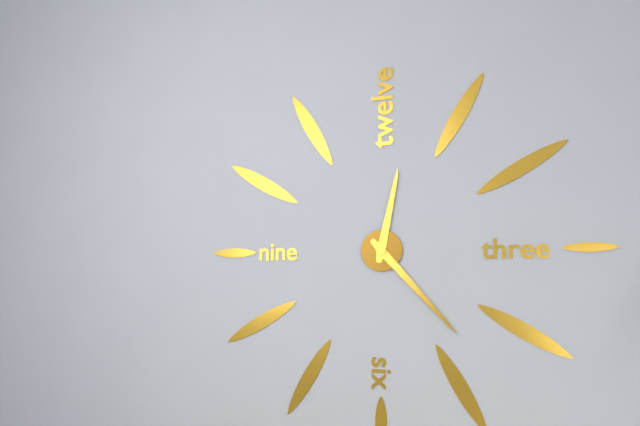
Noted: {"hour": 12, "minute": 23}
